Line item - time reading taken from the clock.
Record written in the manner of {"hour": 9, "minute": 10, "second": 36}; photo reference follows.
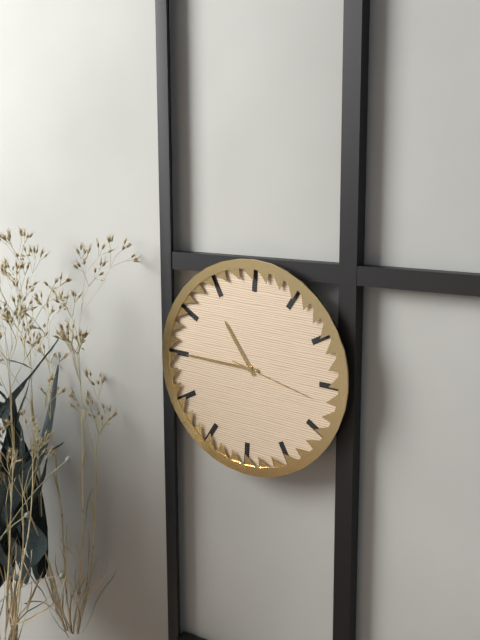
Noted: {"hour": 10, "minute": 45, "second": 17}
